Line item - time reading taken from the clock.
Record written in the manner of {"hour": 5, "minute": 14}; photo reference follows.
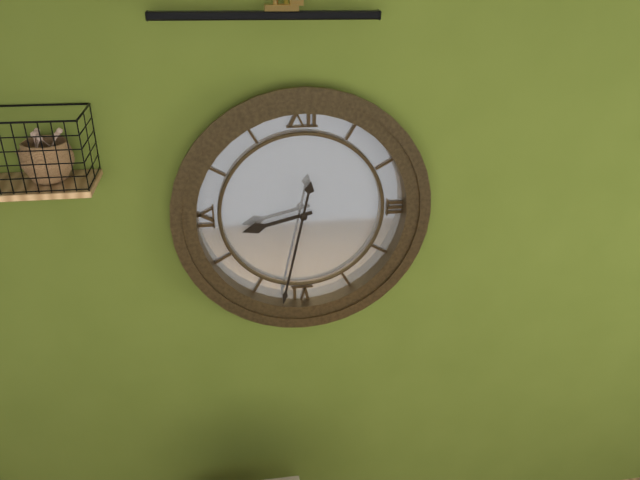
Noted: {"hour": 8, "minute": 32}
